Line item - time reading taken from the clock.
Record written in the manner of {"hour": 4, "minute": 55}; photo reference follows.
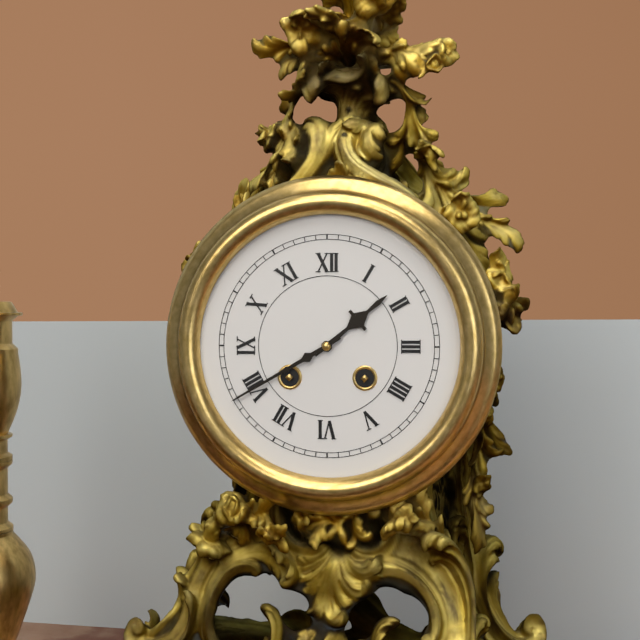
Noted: {"hour": 1, "minute": 40}
